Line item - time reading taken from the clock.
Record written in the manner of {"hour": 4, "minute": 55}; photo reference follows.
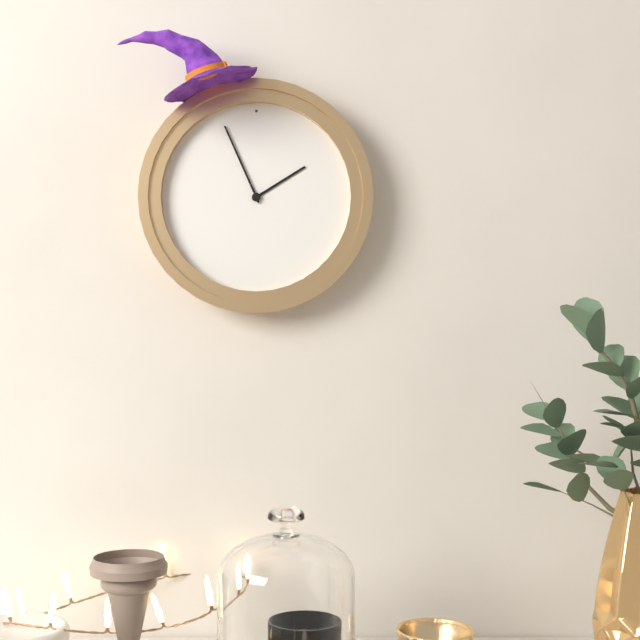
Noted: {"hour": 1, "minute": 56}
